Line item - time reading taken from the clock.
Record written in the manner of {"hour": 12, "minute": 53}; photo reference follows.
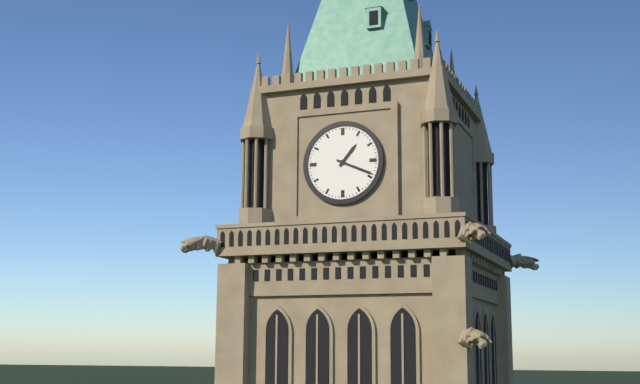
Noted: {"hour": 1, "minute": 19}
